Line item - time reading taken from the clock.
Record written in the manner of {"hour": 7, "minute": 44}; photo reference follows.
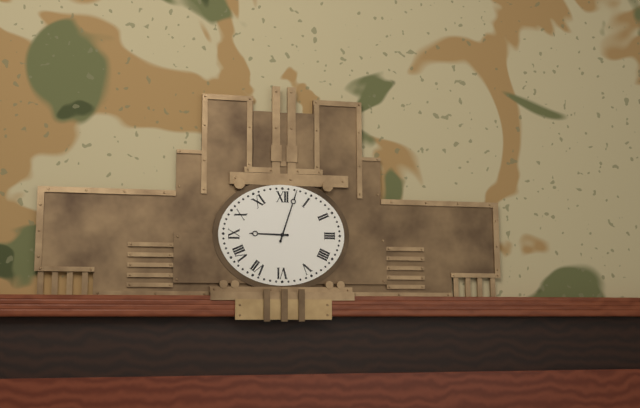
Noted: {"hour": 9, "minute": 3}
